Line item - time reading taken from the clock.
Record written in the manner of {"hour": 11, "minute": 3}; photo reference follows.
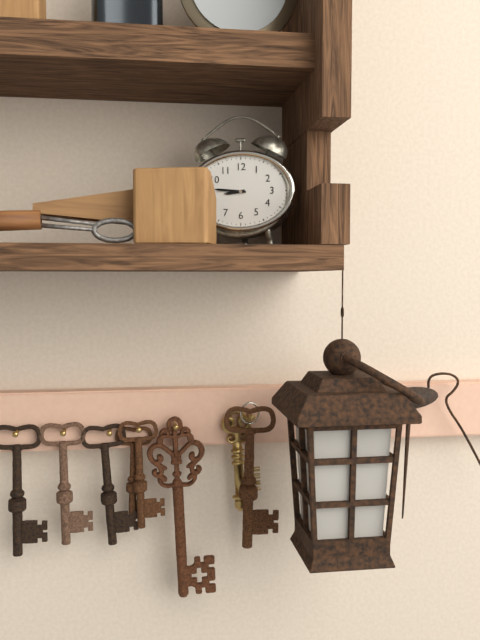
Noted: {"hour": 8, "minute": 46}
